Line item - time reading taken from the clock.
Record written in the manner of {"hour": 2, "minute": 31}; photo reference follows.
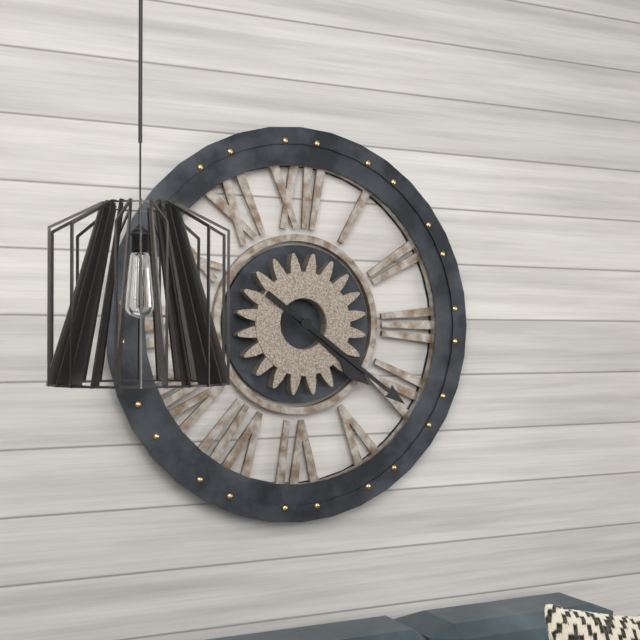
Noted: {"hour": 4, "minute": 21}
